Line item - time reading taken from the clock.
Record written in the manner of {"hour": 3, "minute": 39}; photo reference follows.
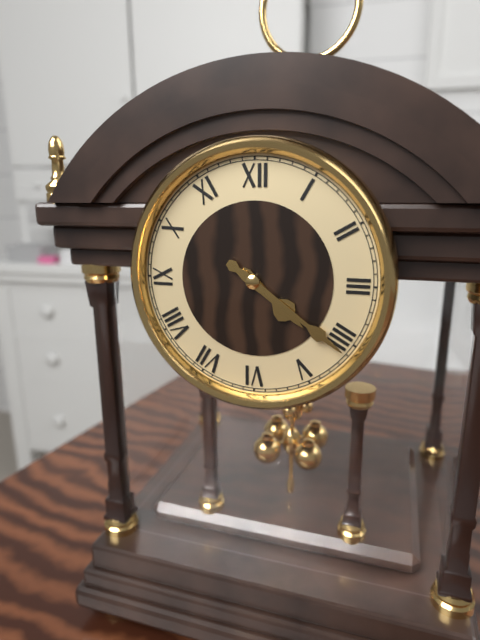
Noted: {"hour": 4, "minute": 21}
